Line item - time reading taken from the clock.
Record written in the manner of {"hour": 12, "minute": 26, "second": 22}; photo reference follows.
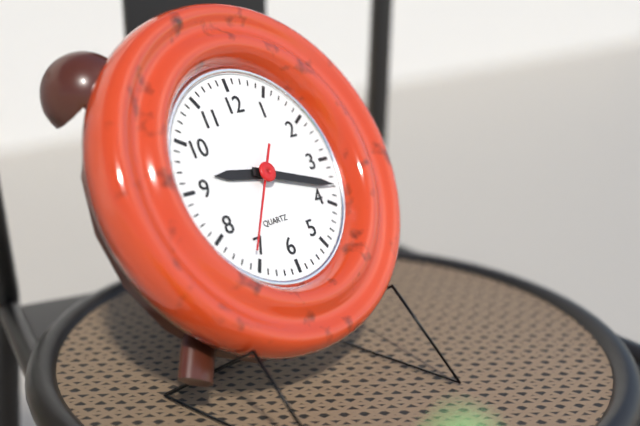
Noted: {"hour": 9, "minute": 18, "second": 36}
